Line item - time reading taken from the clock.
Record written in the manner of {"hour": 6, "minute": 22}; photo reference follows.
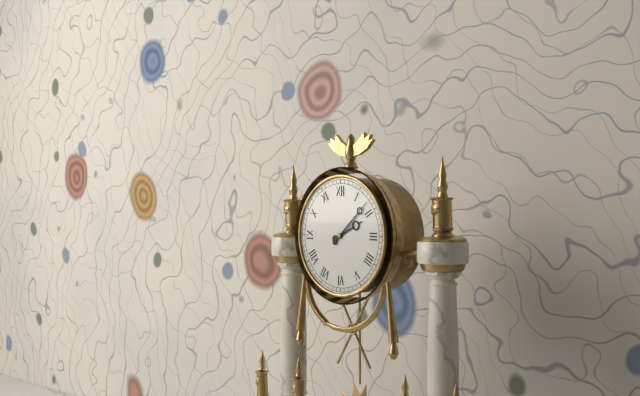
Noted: {"hour": 2, "minute": 8}
